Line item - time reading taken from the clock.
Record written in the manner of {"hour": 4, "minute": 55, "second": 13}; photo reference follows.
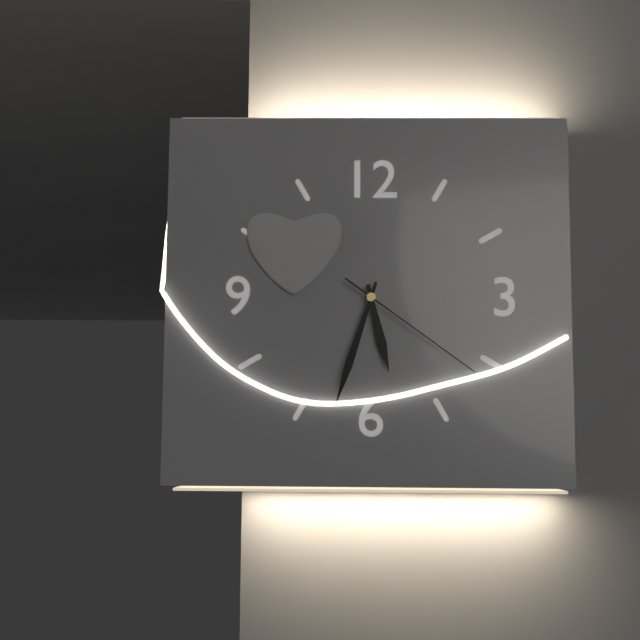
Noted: {"hour": 5, "minute": 33, "second": 21}
